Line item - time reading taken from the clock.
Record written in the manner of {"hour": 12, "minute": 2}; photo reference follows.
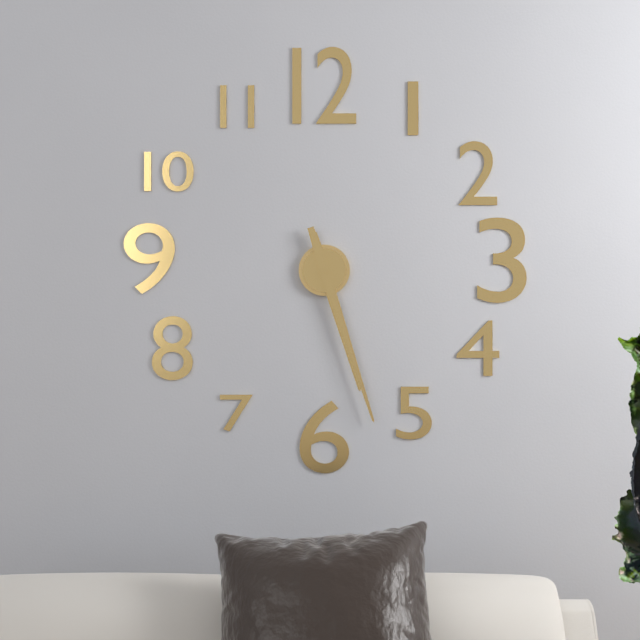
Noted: {"hour": 5, "minute": 27}
